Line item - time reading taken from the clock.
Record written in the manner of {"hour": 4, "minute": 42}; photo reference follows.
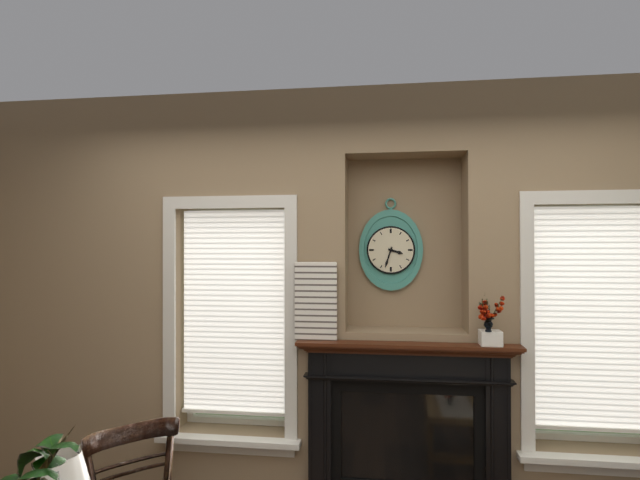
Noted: {"hour": 3, "minute": 33}
